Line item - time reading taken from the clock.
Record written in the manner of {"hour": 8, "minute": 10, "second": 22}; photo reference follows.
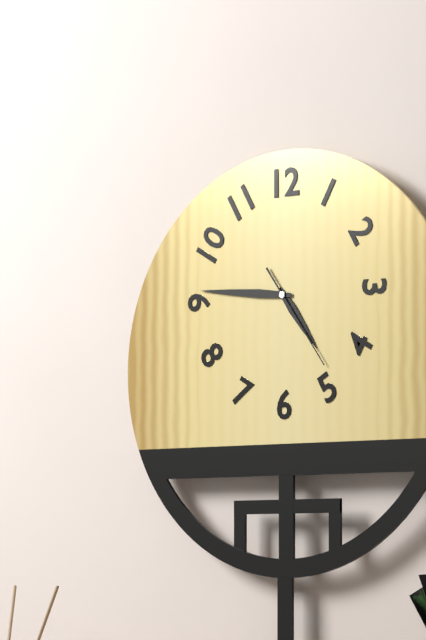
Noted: {"hour": 4, "minute": 46, "second": 24}
